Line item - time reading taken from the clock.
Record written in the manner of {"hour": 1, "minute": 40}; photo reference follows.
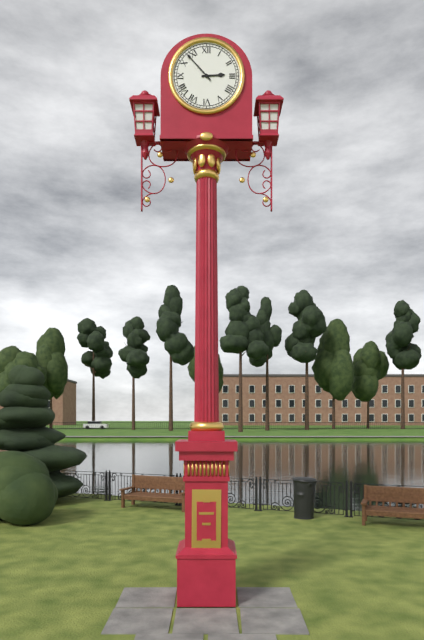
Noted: {"hour": 2, "minute": 53}
